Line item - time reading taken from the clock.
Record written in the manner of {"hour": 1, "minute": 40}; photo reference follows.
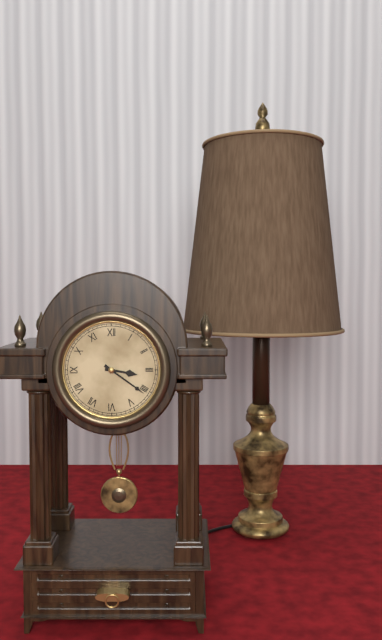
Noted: {"hour": 3, "minute": 21}
